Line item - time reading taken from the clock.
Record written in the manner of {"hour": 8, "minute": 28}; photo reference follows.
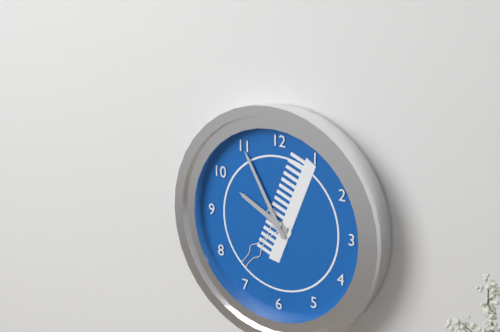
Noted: {"hour": 9, "minute": 55}
